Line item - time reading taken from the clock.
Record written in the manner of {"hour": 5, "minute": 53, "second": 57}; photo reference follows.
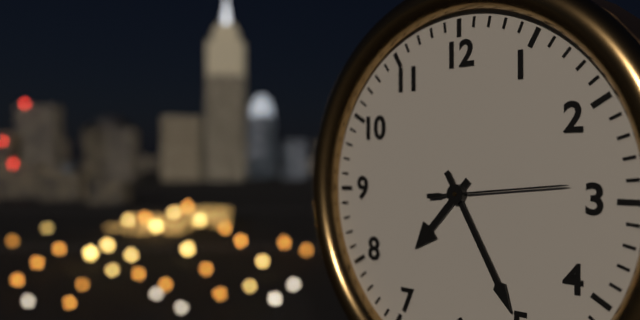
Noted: {"hour": 7, "minute": 25, "second": 14}
